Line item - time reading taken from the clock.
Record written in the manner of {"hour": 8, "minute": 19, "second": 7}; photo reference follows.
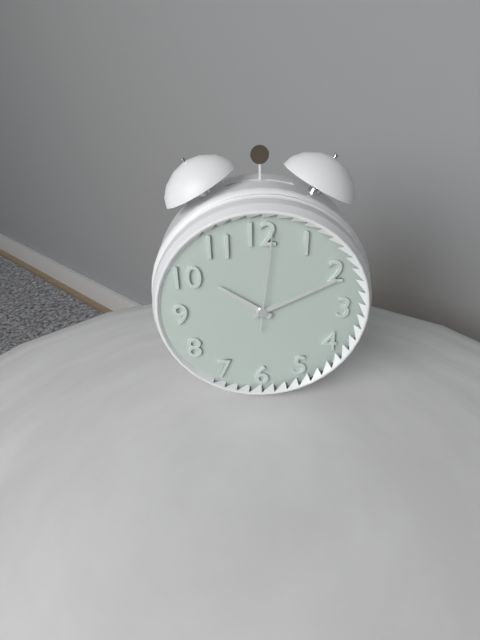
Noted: {"hour": 10, "minute": 11, "second": 1}
